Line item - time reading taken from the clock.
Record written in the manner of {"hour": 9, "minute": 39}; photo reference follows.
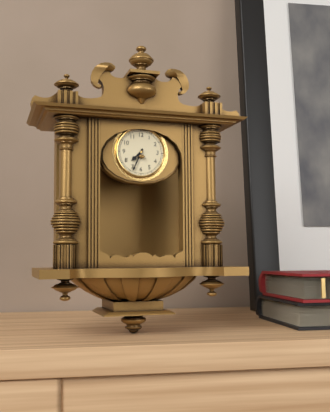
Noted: {"hour": 7, "minute": 34}
